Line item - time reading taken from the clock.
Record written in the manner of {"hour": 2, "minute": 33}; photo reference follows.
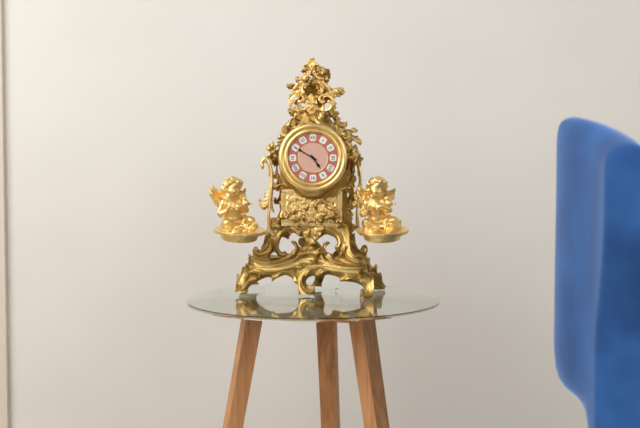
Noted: {"hour": 4, "minute": 50}
